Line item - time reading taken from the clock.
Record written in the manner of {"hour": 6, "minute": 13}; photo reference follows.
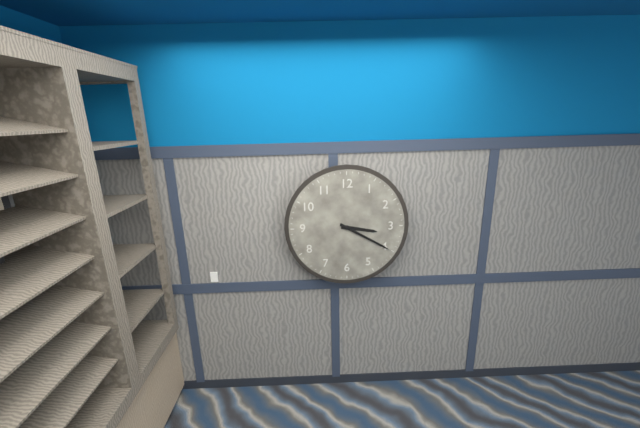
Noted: {"hour": 3, "minute": 20}
